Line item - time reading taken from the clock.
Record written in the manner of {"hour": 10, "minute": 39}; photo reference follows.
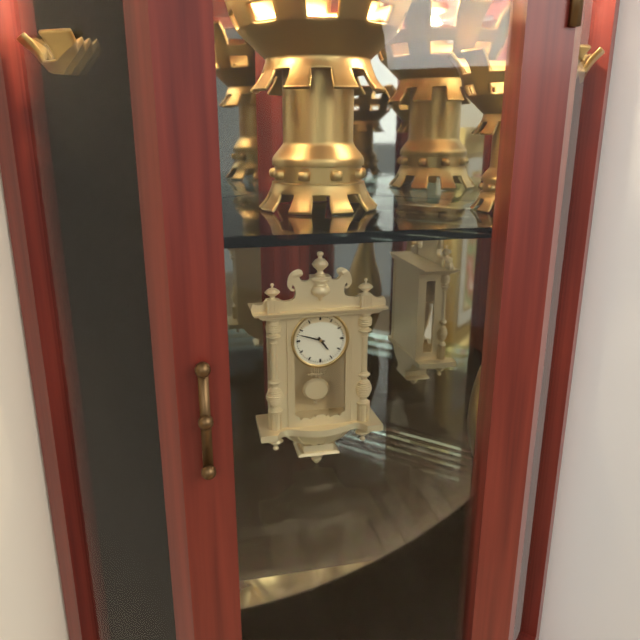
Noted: {"hour": 4, "minute": 48}
